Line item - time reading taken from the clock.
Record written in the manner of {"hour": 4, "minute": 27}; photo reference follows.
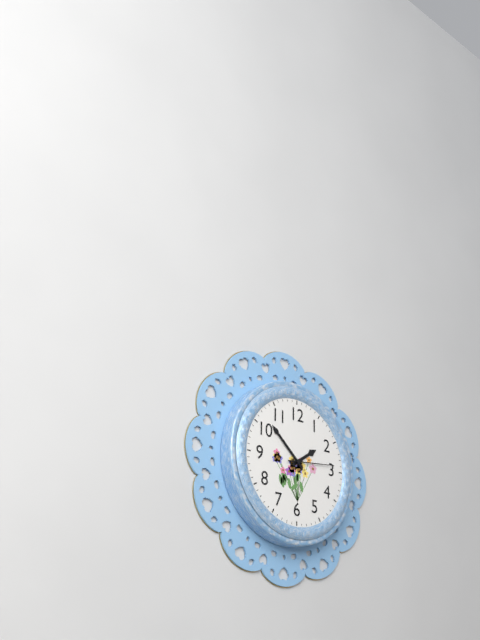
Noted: {"hour": 1, "minute": 52}
